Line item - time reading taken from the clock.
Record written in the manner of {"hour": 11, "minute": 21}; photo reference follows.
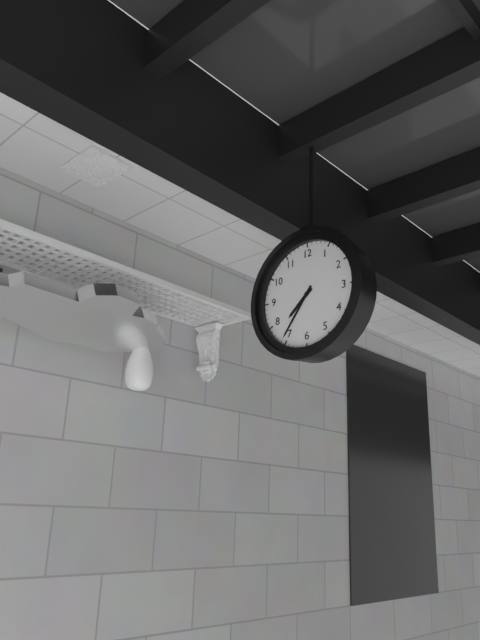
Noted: {"hour": 7, "minute": 36}
